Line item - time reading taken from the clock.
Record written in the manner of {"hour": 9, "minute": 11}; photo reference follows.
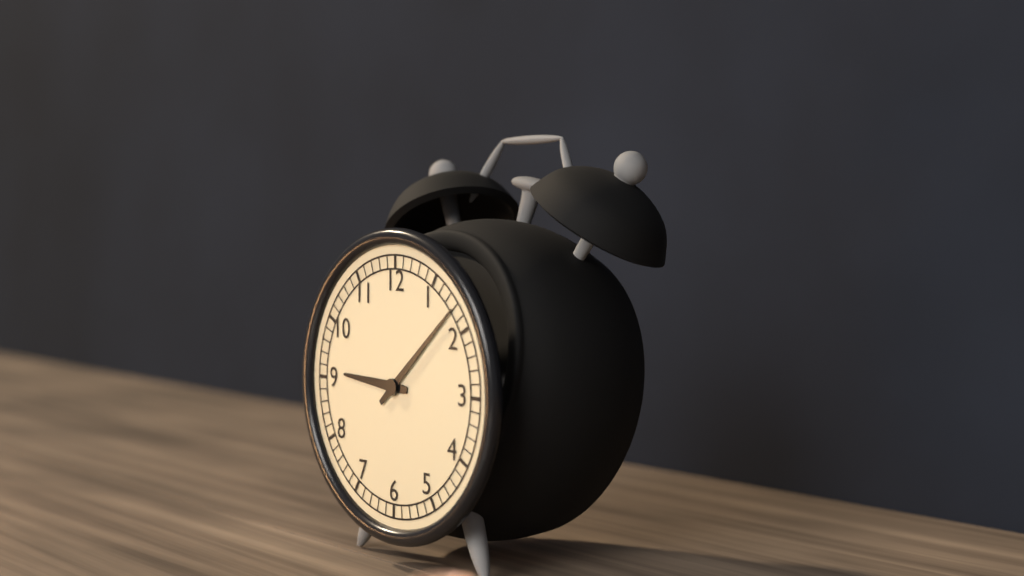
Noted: {"hour": 9, "minute": 8}
